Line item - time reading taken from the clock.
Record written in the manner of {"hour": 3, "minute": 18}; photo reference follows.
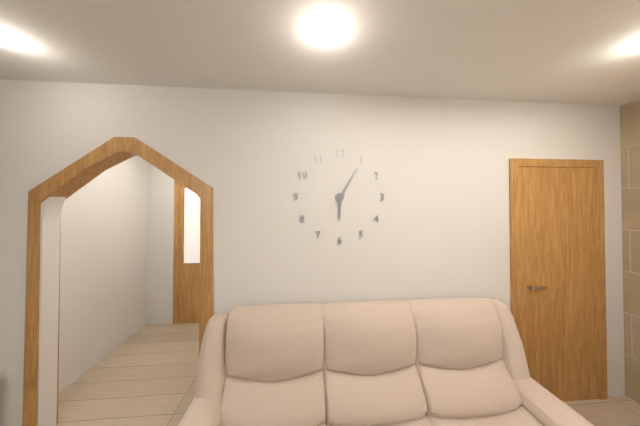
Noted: {"hour": 6, "minute": 5}
